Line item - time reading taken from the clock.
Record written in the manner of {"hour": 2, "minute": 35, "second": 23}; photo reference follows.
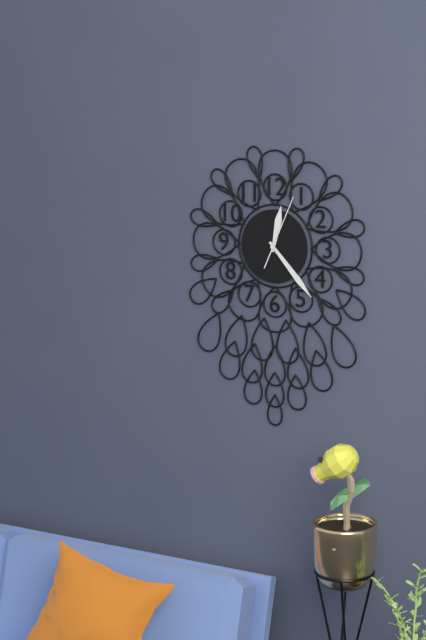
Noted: {"hour": 12, "minute": 23, "second": 4}
